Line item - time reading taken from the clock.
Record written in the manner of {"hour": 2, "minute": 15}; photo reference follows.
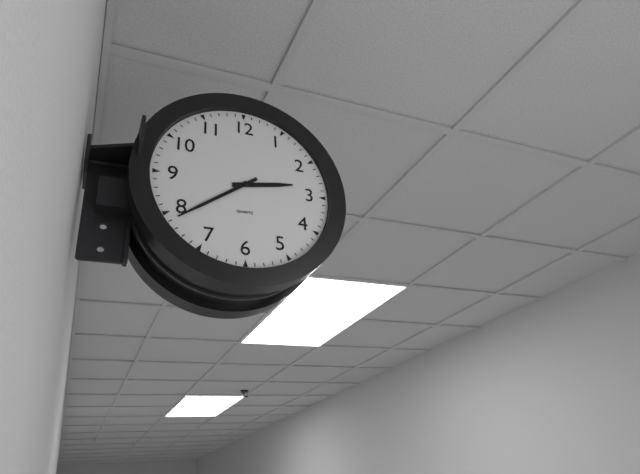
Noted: {"hour": 2, "minute": 39}
